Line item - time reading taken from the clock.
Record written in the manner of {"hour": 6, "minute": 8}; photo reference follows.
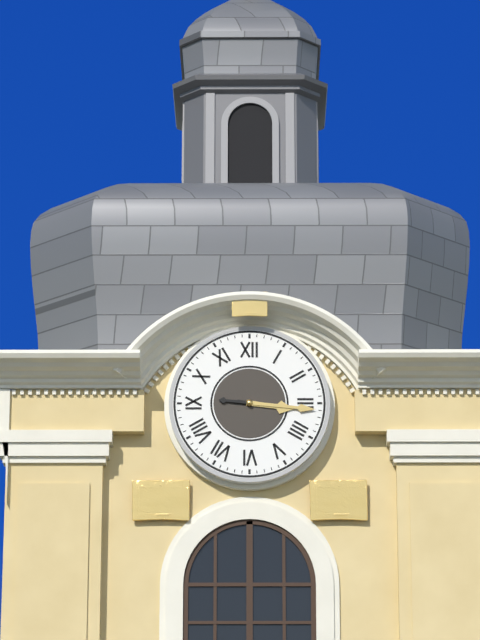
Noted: {"hour": 3, "minute": 16}
